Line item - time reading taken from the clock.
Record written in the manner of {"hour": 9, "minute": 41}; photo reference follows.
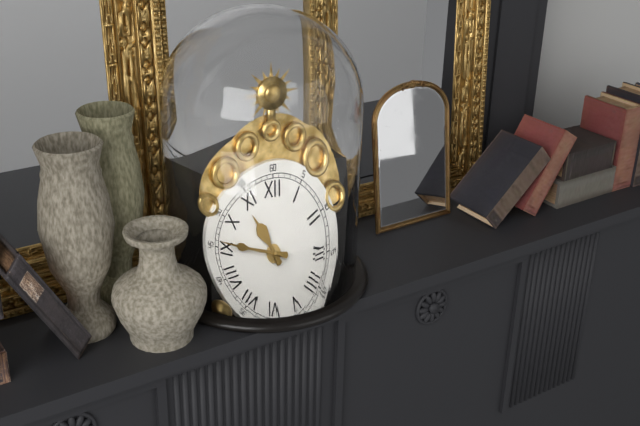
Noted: {"hour": 10, "minute": 46}
